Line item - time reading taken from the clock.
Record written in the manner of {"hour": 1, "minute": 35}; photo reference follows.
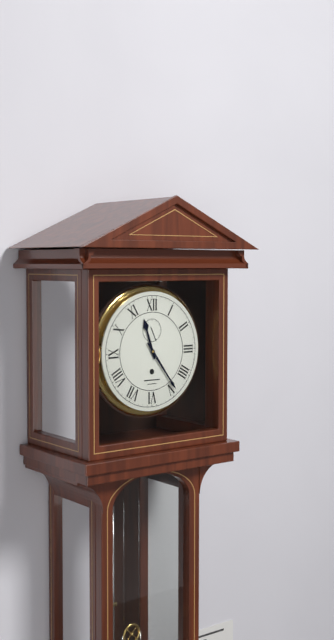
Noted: {"hour": 11, "minute": 24}
